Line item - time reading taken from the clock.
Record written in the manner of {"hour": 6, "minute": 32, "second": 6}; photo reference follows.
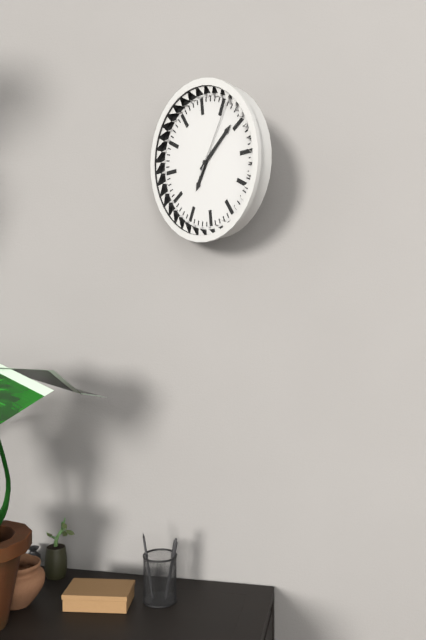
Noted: {"hour": 7, "minute": 9, "second": 6}
